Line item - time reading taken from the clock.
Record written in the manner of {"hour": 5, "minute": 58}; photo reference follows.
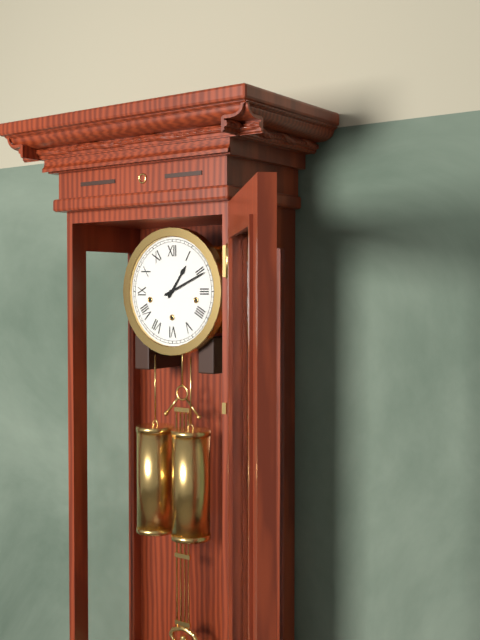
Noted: {"hour": 1, "minute": 11}
